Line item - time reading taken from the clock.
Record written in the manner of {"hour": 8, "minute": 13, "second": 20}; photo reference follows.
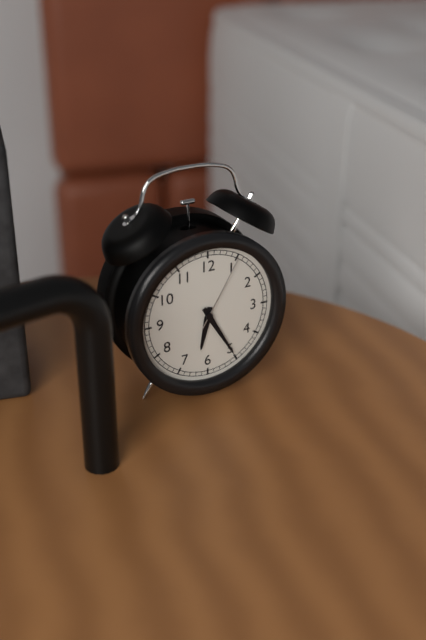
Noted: {"hour": 6, "minute": 25, "second": 5}
